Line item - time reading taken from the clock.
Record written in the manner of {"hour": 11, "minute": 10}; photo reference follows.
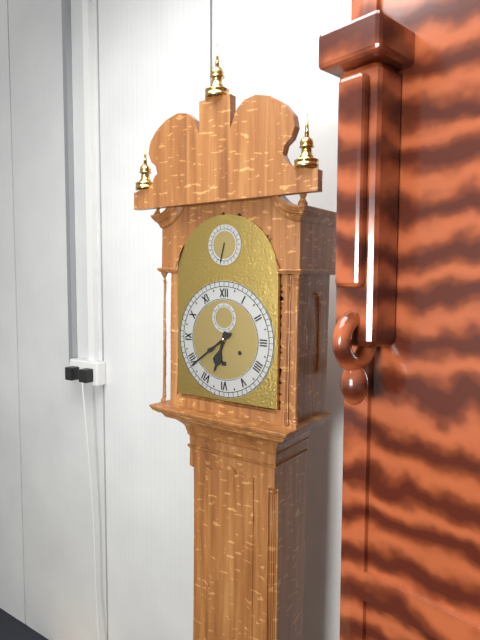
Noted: {"hour": 6, "minute": 39}
